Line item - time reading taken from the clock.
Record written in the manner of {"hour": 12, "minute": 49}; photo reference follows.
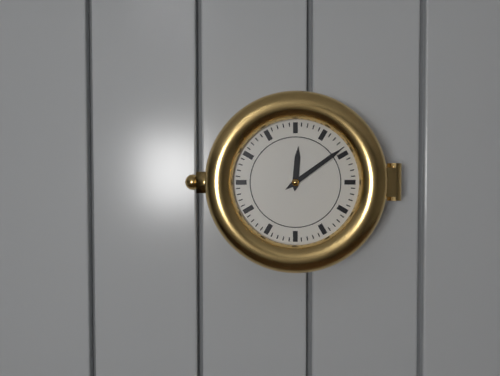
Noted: {"hour": 12, "minute": 9}
